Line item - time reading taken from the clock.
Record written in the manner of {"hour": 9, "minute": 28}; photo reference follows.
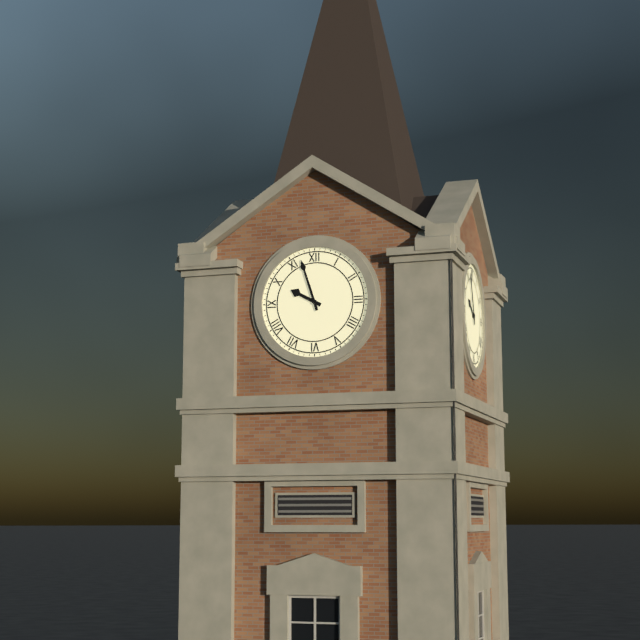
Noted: {"hour": 9, "minute": 57}
